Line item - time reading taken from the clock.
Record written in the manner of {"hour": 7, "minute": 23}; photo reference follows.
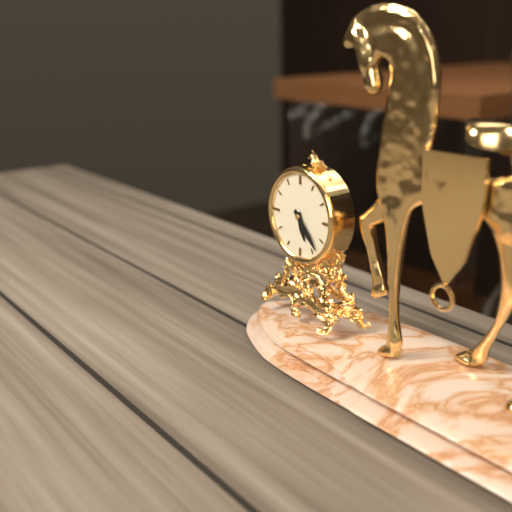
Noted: {"hour": 5, "minute": 23}
